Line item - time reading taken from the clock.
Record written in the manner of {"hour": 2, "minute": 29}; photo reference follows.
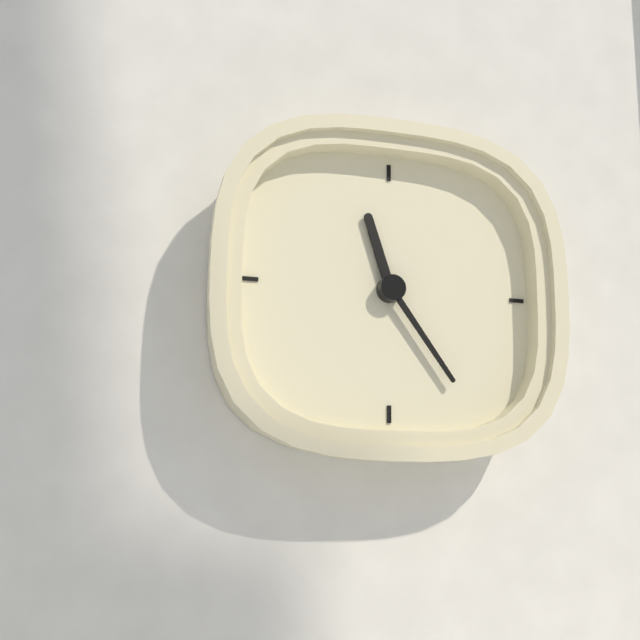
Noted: {"hour": 11, "minute": 24}
